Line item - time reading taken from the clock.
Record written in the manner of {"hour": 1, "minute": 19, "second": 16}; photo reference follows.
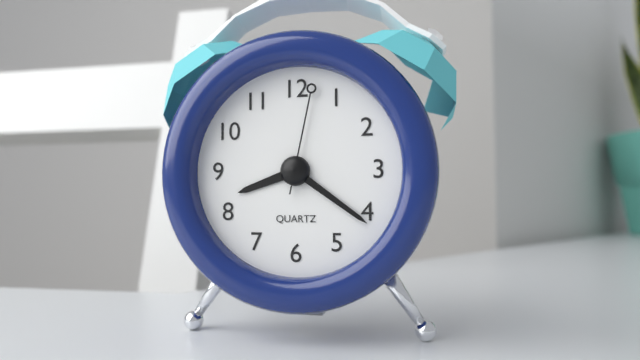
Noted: {"hour": 8, "minute": 21, "second": 2}
